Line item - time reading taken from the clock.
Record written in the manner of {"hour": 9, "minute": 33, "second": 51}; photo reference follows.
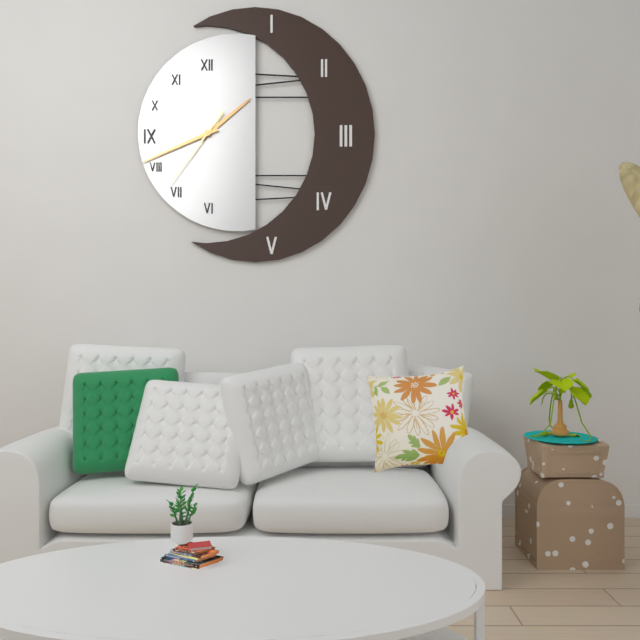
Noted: {"hour": 1, "minute": 41, "second": 36}
